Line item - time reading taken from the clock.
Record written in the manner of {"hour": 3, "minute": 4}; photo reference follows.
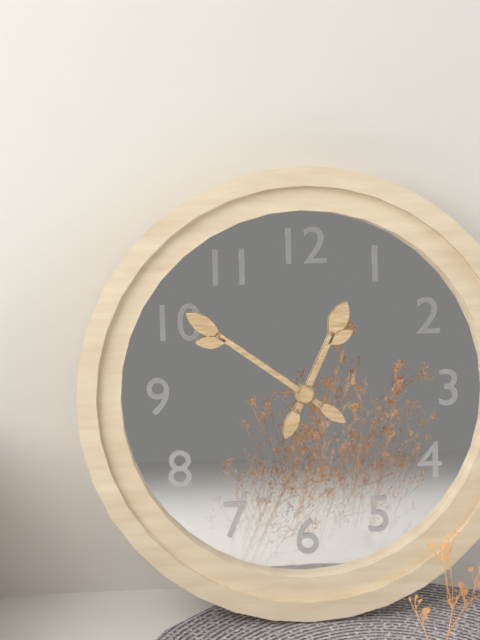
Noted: {"hour": 12, "minute": 51}
